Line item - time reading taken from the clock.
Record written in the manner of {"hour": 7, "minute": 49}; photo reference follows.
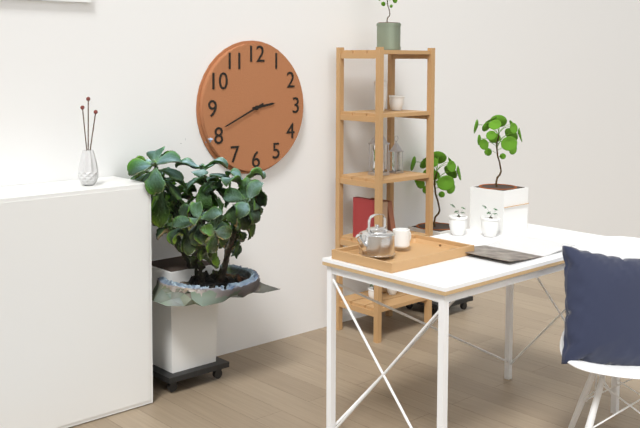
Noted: {"hour": 2, "minute": 41}
